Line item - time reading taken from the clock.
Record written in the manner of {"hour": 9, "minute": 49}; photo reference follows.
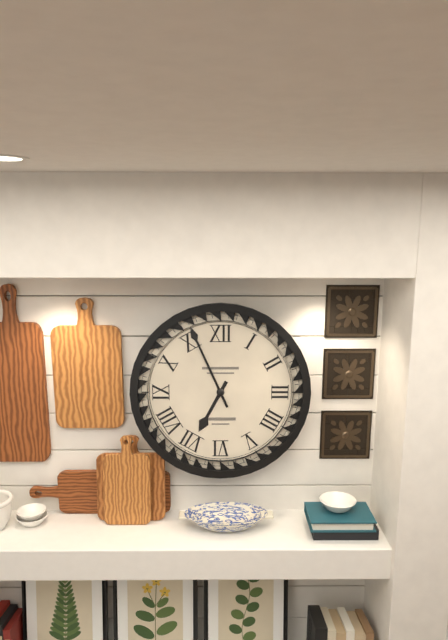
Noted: {"hour": 6, "minute": 56}
